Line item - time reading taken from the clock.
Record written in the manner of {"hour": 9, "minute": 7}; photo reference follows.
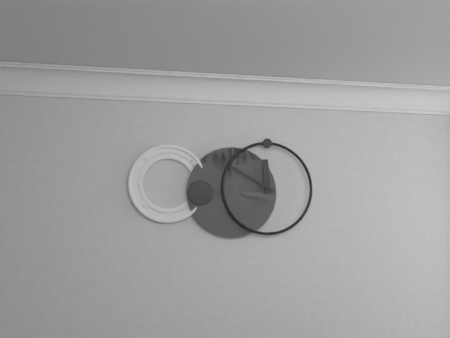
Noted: {"hour": 11, "minute": 50}
